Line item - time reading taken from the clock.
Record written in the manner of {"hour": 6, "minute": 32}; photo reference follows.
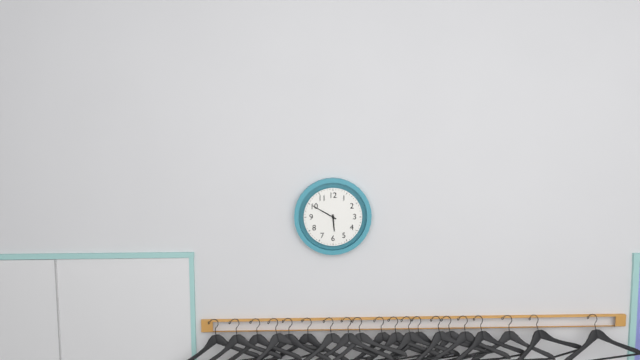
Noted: {"hour": 5, "minute": 50}
